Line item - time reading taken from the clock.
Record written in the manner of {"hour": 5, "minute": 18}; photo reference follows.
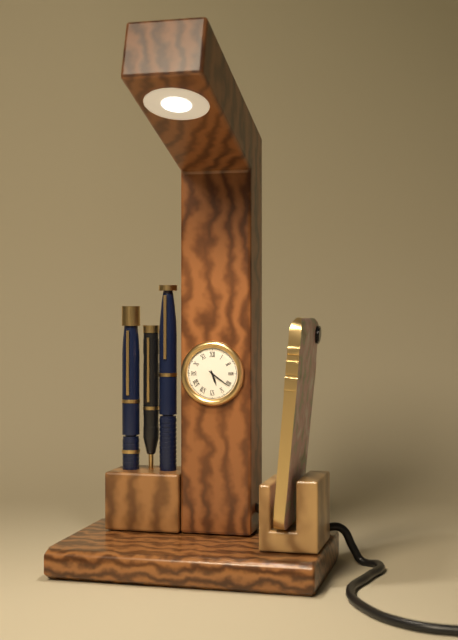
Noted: {"hour": 5, "minute": 21}
